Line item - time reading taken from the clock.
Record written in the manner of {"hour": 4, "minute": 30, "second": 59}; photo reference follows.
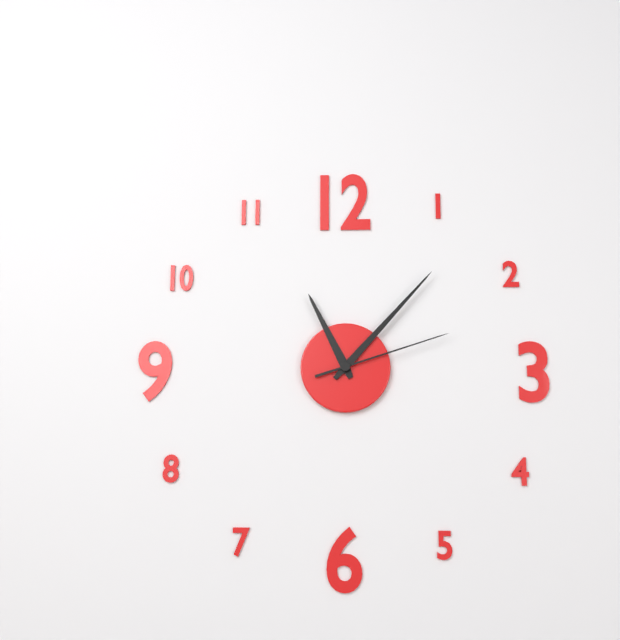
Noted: {"hour": 11, "minute": 7, "second": 12}
